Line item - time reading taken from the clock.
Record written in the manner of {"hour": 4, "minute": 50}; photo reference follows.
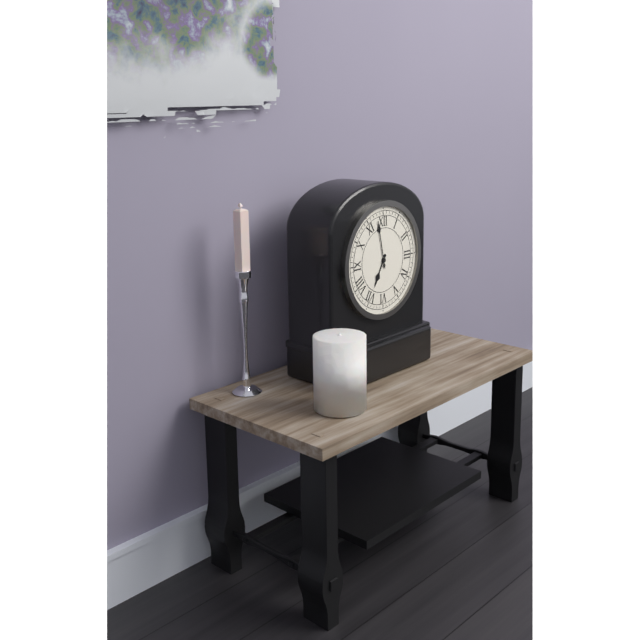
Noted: {"hour": 6, "minute": 58}
